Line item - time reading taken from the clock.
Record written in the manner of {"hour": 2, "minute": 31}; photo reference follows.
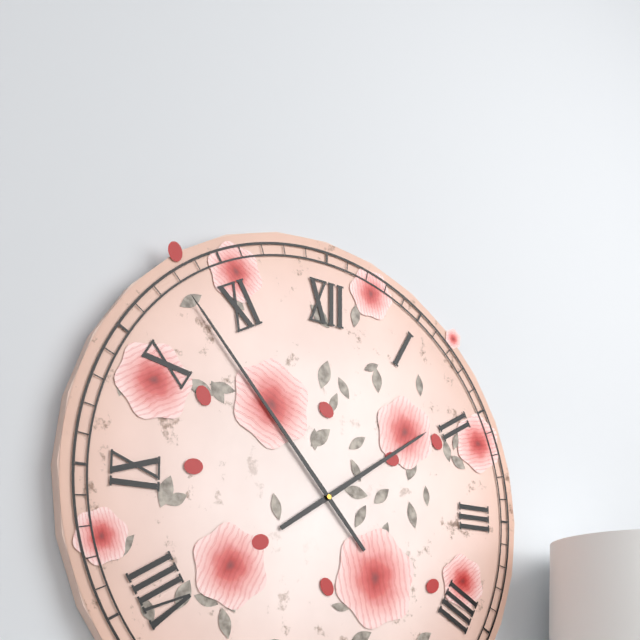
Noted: {"hour": 1, "minute": 53}
